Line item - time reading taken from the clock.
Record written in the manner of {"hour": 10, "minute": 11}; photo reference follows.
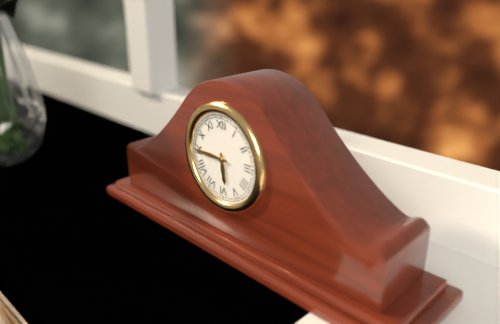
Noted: {"hour": 5, "minute": 45}
